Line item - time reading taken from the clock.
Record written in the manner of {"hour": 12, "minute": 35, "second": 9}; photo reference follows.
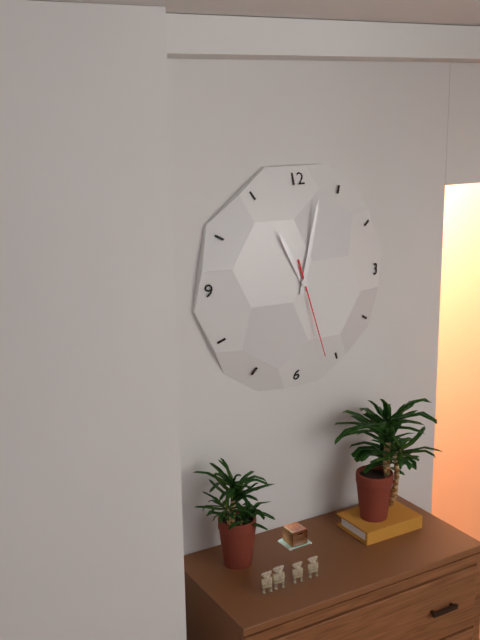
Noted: {"hour": 11, "minute": 2, "second": 27}
